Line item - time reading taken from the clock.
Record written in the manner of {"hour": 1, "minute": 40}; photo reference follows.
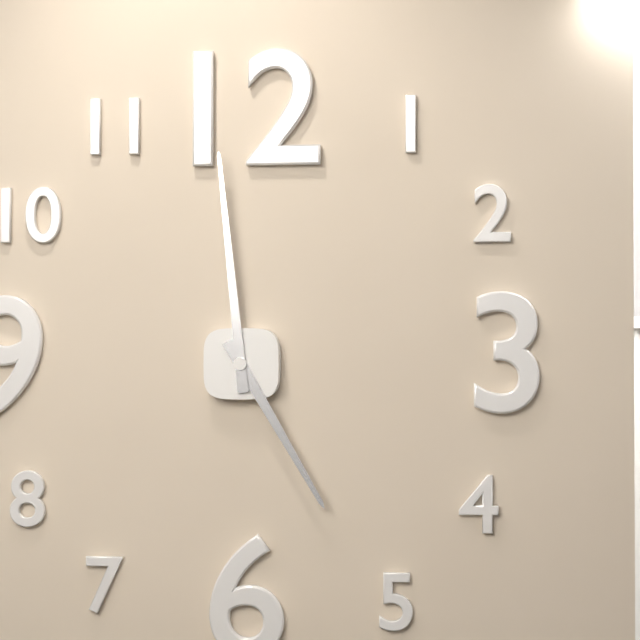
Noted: {"hour": 4, "minute": 59}
